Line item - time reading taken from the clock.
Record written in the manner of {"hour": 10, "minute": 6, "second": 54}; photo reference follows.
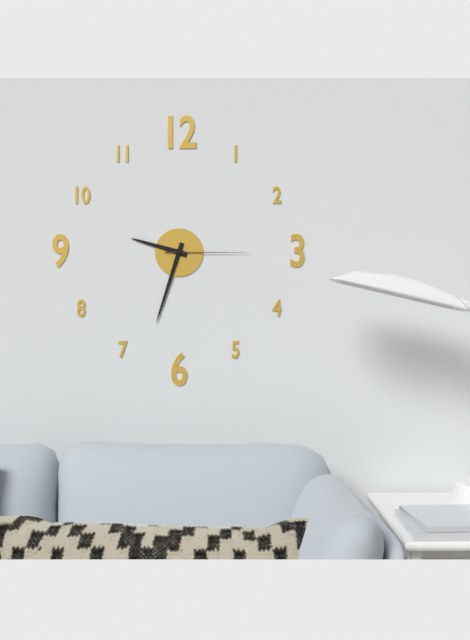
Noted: {"hour": 9, "minute": 33, "second": 15}
